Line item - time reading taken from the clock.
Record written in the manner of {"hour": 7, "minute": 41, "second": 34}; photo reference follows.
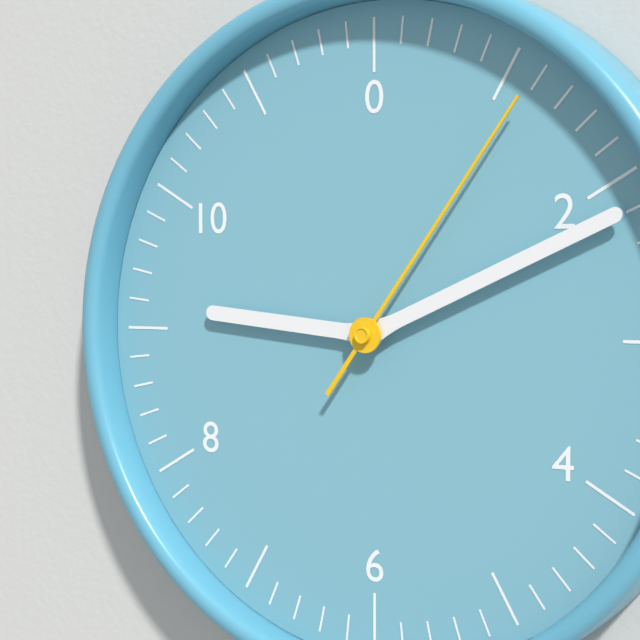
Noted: {"hour": 9, "minute": 11, "second": 6}
